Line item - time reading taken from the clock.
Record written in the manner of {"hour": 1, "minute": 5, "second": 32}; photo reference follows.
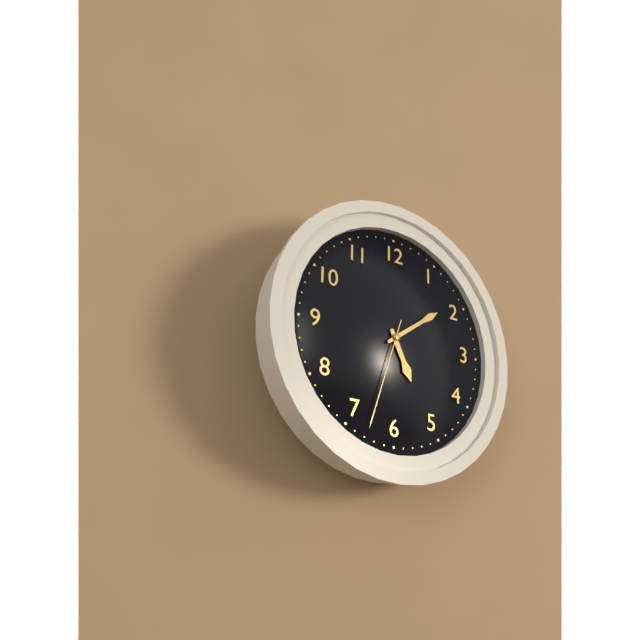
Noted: {"hour": 5, "minute": 9, "second": 33}
